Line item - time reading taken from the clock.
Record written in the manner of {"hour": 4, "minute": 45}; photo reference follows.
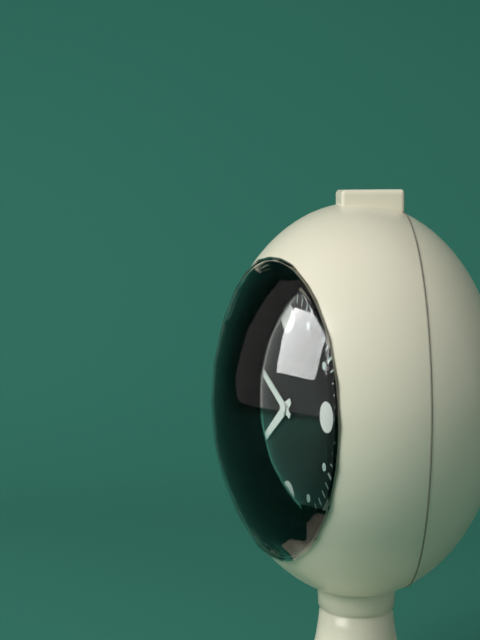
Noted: {"hour": 7, "minute": 50}
